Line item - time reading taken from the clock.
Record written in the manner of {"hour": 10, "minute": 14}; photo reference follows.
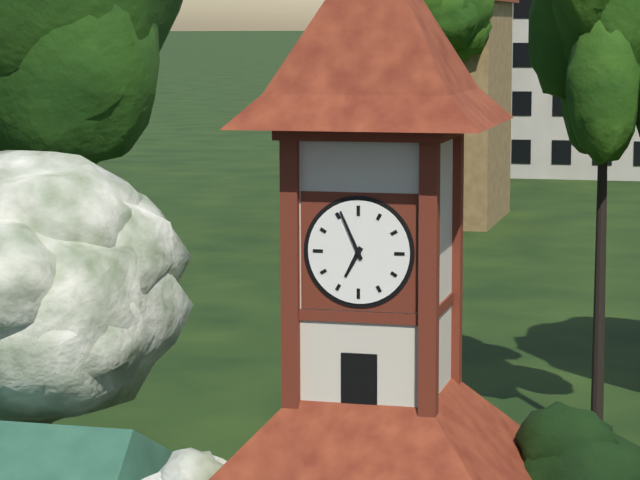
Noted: {"hour": 6, "minute": 56}
